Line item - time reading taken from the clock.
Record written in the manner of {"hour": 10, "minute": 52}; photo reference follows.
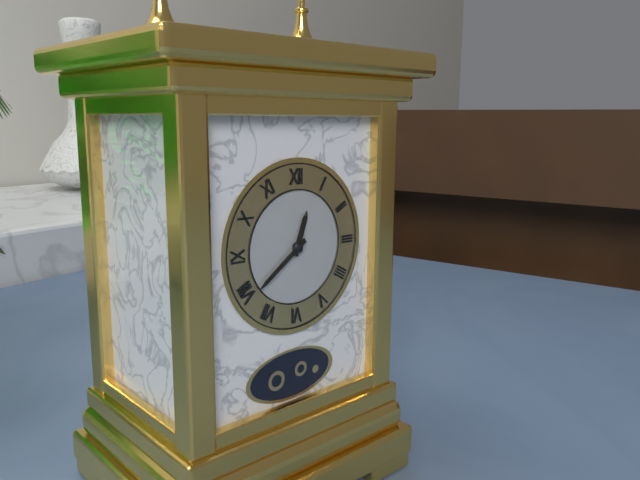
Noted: {"hour": 12, "minute": 39}
